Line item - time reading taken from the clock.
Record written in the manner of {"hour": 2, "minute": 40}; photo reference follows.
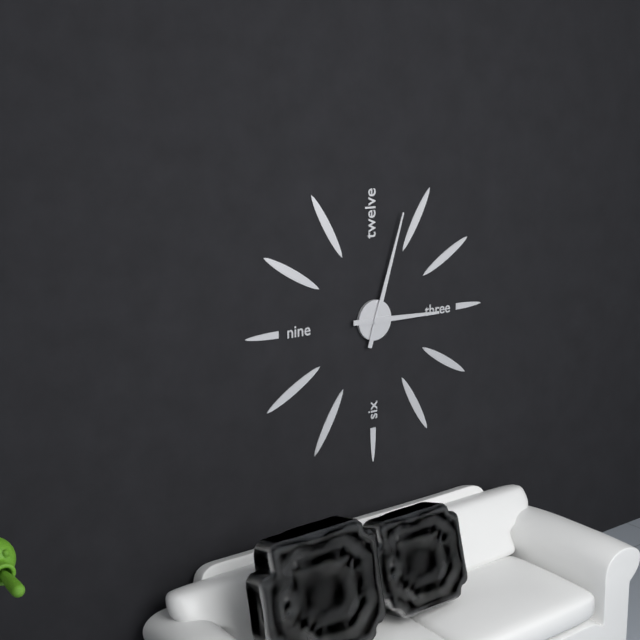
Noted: {"hour": 3, "minute": 3}
